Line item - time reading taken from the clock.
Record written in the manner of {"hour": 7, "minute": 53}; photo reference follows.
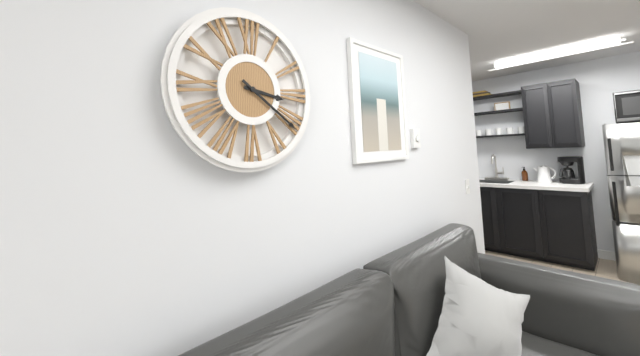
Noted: {"hour": 3, "minute": 21}
